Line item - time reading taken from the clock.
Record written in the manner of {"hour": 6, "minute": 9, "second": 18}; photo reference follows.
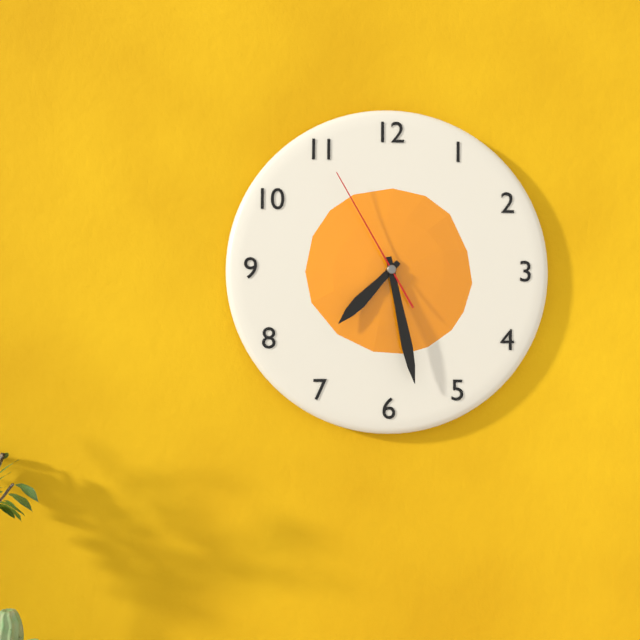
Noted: {"hour": 7, "minute": 28, "second": 55}
